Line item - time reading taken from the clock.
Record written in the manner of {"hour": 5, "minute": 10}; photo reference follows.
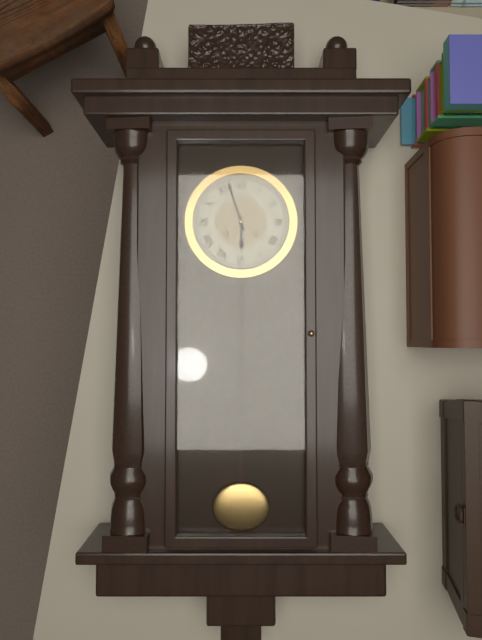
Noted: {"hour": 5, "minute": 57}
